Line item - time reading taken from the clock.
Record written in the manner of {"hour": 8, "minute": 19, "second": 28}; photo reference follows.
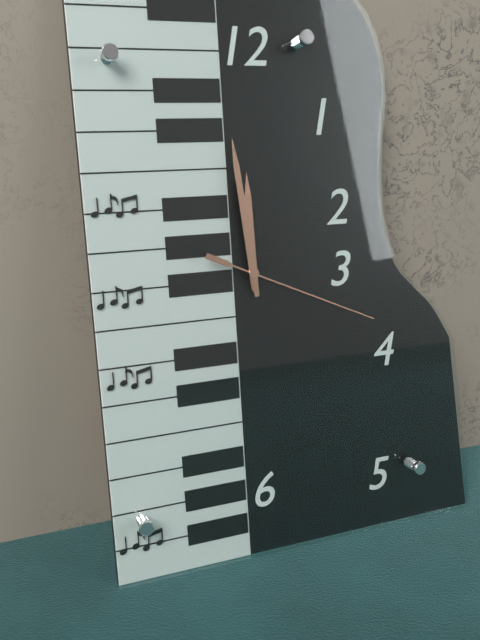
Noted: {"hour": 11, "minute": 59, "second": 19}
